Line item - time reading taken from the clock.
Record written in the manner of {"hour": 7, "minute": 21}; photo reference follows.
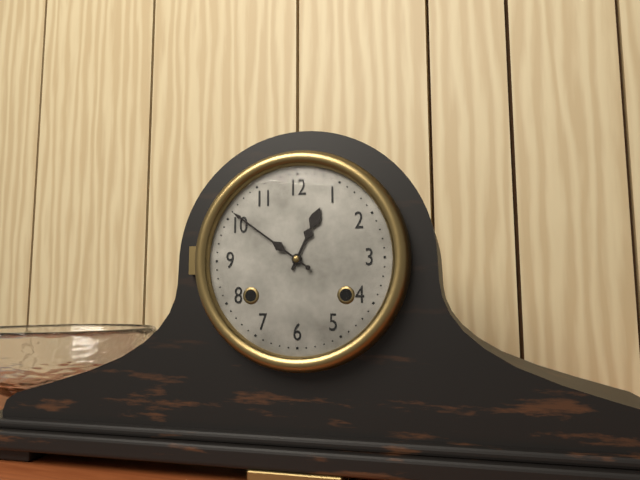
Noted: {"hour": 12, "minute": 51}
